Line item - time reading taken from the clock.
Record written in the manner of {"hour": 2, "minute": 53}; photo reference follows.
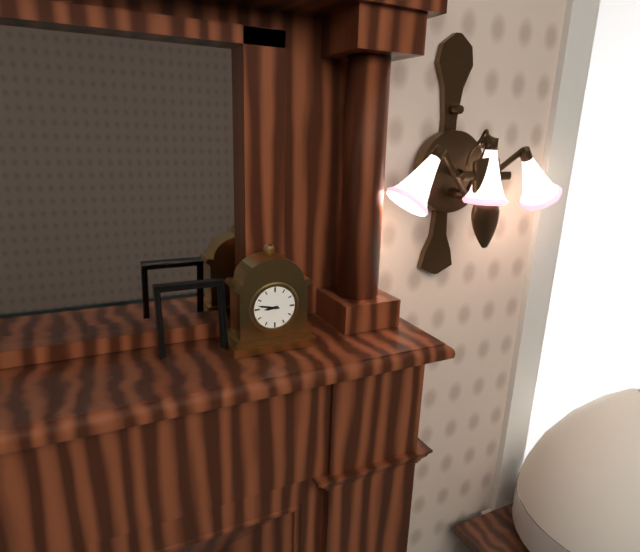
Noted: {"hour": 8, "minute": 47}
